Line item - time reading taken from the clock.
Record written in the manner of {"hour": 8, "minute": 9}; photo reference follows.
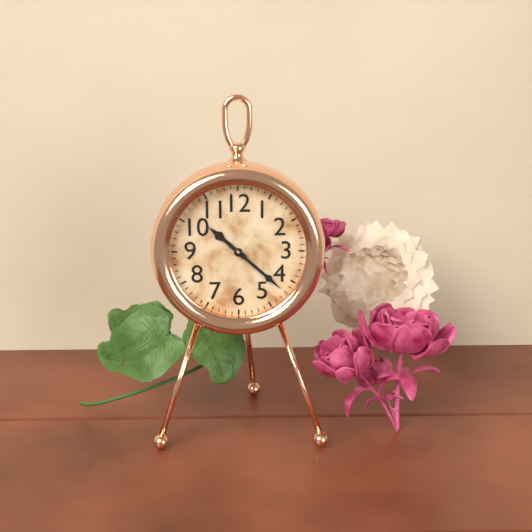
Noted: {"hour": 10, "minute": 22}
